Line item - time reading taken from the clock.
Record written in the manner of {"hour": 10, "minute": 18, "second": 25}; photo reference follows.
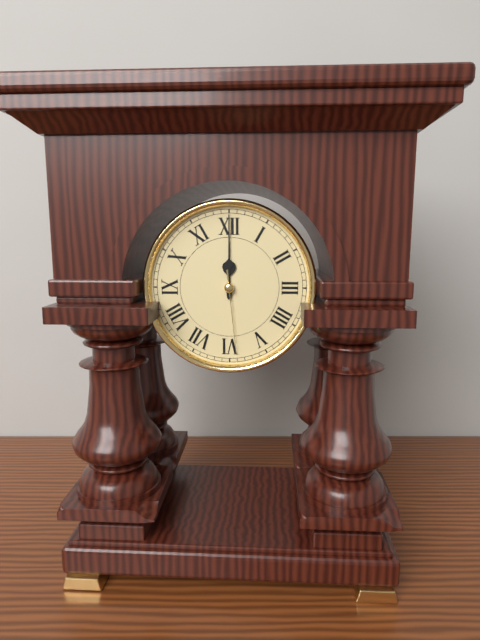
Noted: {"hour": 12, "minute": 0, "second": 29}
